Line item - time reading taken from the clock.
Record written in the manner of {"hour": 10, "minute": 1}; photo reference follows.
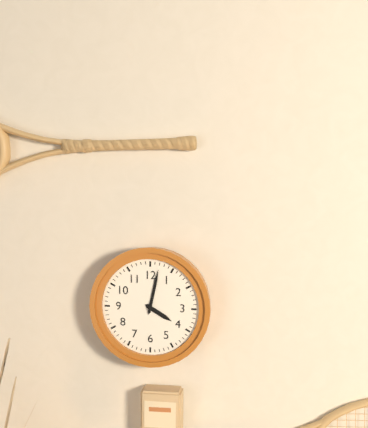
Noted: {"hour": 4, "minute": 2}
